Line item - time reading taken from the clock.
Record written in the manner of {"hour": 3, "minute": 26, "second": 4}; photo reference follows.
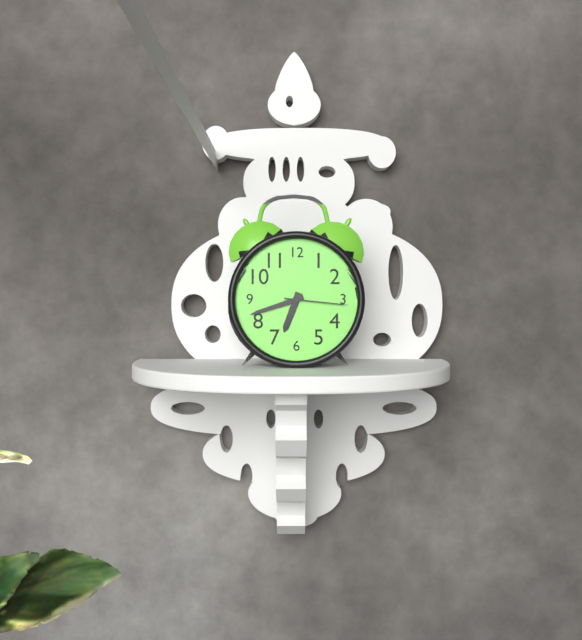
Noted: {"hour": 6, "minute": 42, "second": 16}
